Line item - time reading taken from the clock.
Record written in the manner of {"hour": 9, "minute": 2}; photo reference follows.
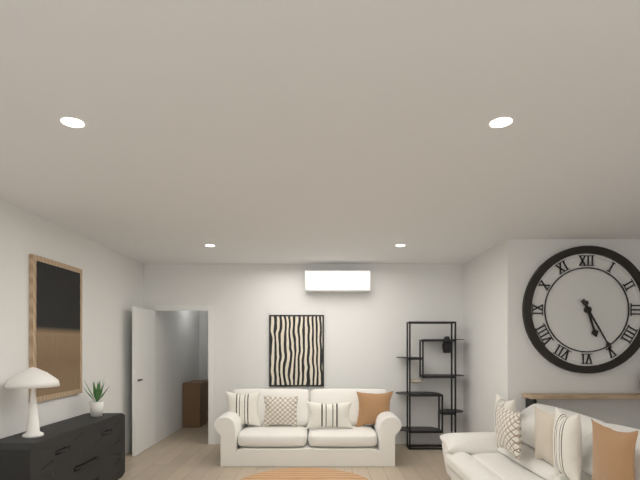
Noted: {"hour": 5, "minute": 25}
